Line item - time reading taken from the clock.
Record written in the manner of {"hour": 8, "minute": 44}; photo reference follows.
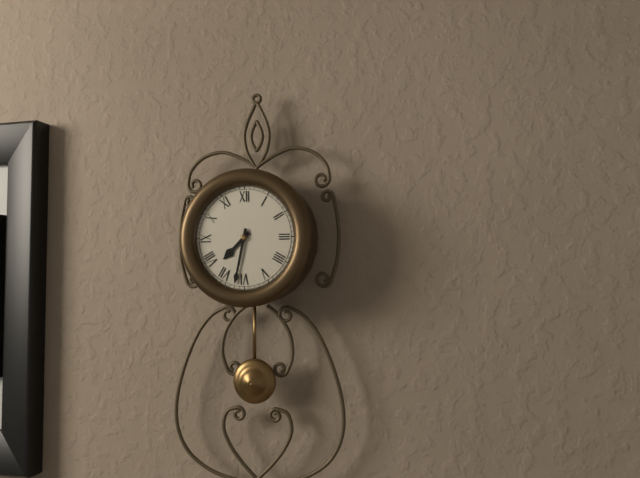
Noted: {"hour": 7, "minute": 32}
